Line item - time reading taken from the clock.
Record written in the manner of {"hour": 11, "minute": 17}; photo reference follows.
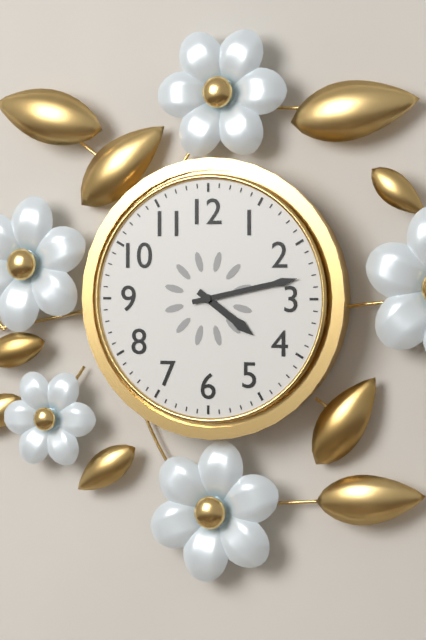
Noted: {"hour": 4, "minute": 13}
